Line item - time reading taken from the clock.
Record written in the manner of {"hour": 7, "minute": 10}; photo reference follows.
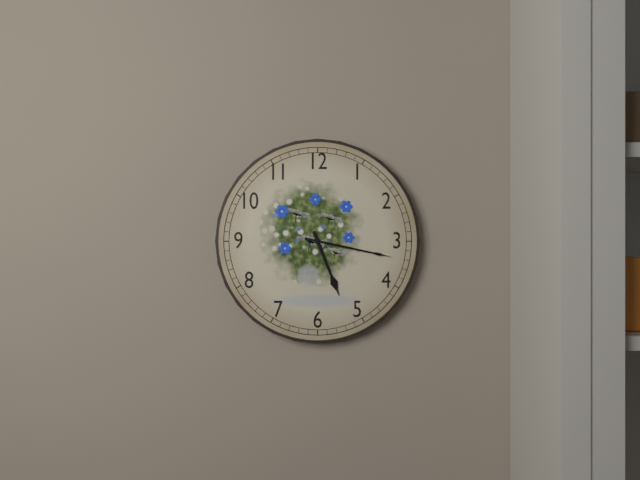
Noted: {"hour": 5, "minute": 17}
